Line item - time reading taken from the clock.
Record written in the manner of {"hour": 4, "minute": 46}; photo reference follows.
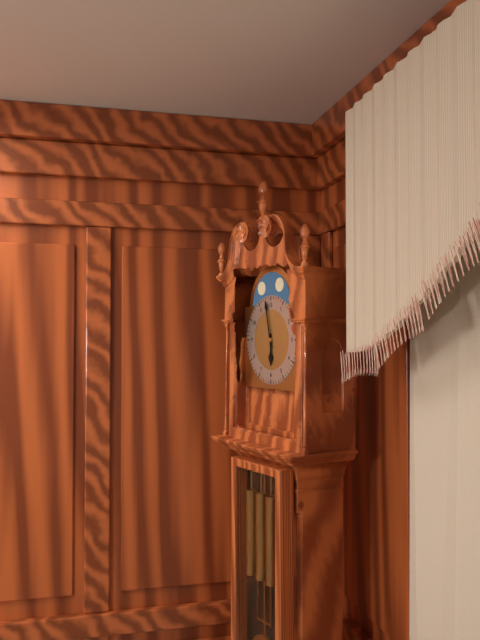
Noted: {"hour": 5, "minute": 58}
